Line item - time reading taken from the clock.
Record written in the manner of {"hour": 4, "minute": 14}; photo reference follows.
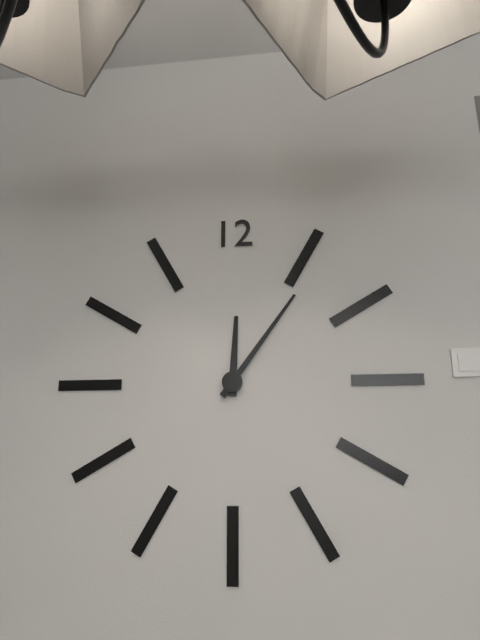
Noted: {"hour": 12, "minute": 6}
